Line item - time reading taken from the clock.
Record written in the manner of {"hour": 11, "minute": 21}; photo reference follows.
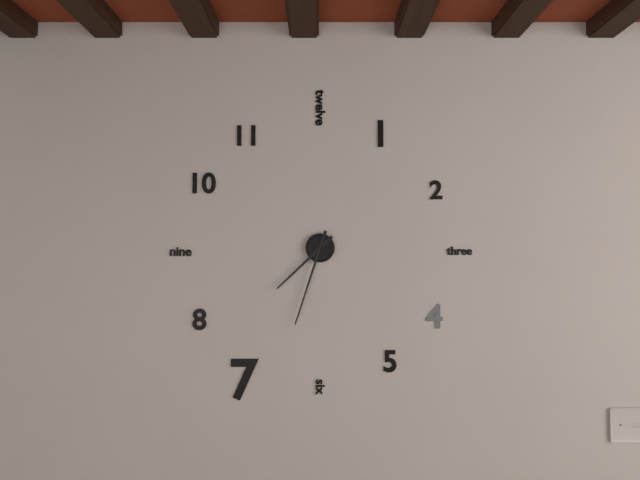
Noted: {"hour": 7, "minute": 33}
